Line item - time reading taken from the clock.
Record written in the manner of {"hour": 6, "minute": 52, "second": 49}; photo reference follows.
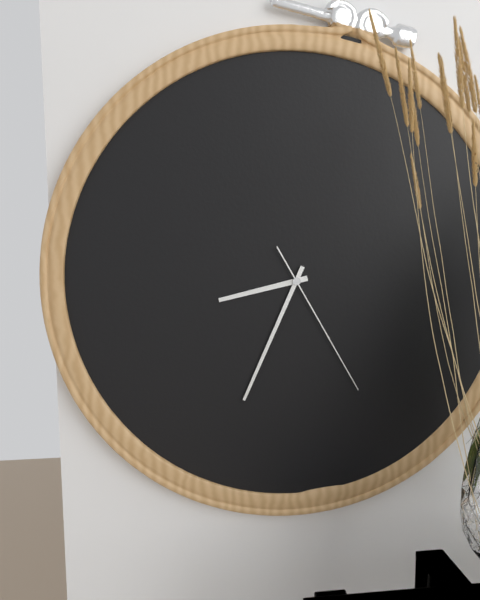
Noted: {"hour": 8, "minute": 34, "second": 25}
